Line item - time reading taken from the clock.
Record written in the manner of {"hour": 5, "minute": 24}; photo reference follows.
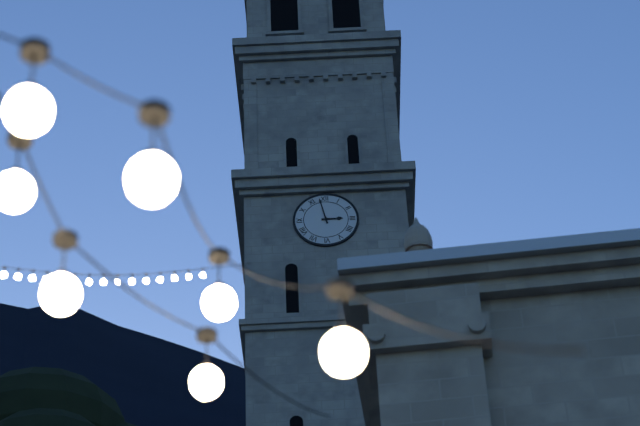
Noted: {"hour": 2, "minute": 58}
